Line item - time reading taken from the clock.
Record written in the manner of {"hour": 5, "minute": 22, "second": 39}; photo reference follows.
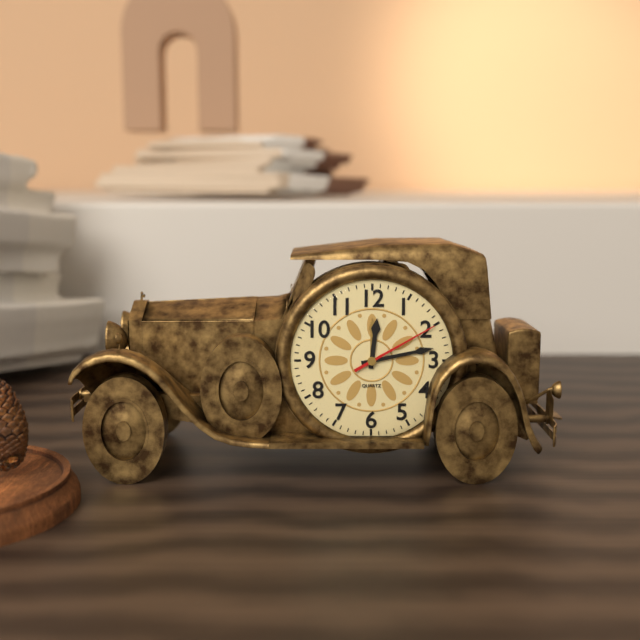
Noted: {"hour": 12, "minute": 13, "second": 10}
